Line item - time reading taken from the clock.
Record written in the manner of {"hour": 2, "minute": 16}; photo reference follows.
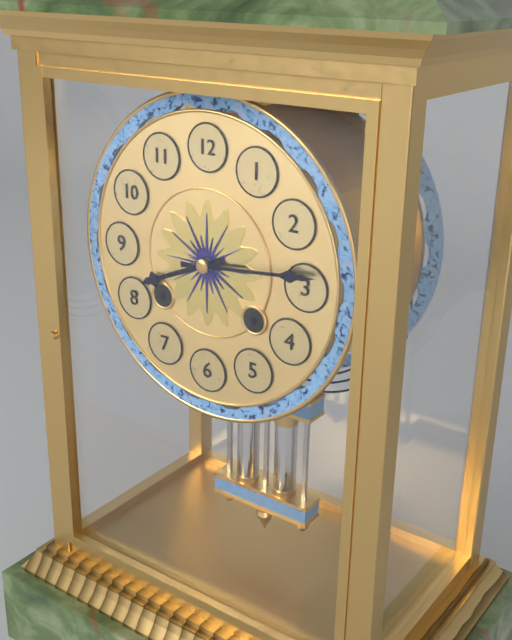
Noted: {"hour": 8, "minute": 14}
